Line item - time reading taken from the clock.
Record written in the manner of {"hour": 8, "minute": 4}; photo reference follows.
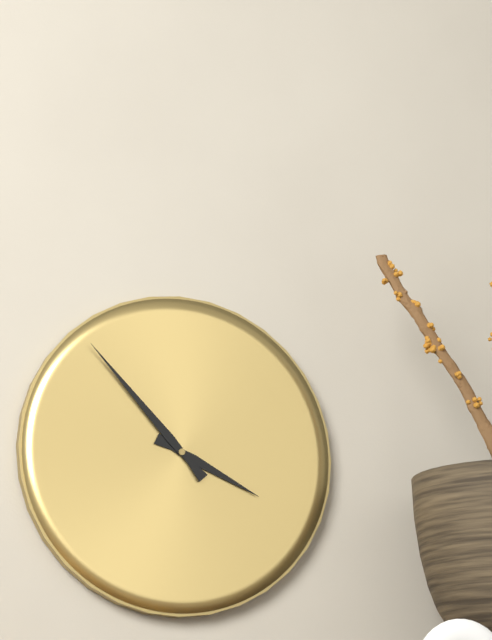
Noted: {"hour": 3, "minute": 53}
